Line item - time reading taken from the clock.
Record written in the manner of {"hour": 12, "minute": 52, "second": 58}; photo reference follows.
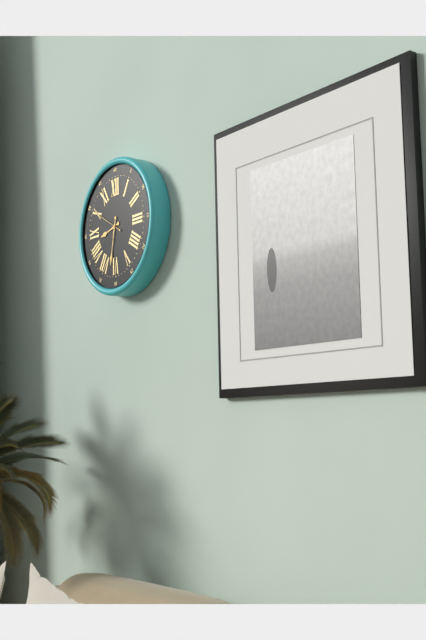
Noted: {"hour": 8, "minute": 32, "second": 50}
